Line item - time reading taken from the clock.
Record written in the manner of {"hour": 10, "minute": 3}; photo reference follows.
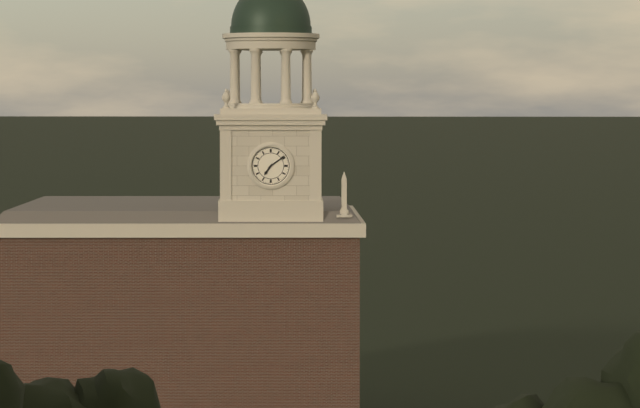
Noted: {"hour": 7, "minute": 9}
